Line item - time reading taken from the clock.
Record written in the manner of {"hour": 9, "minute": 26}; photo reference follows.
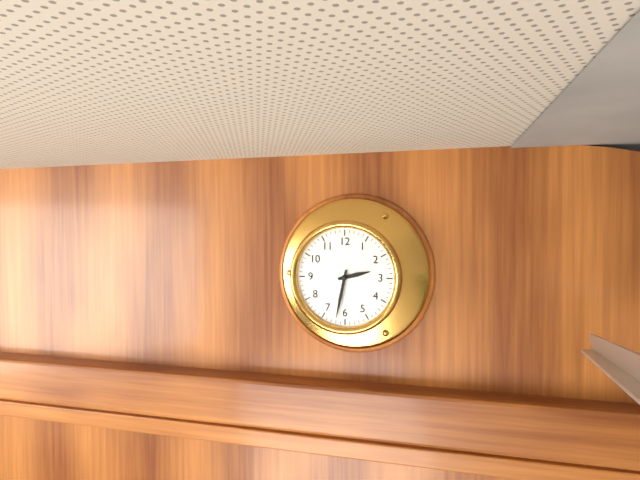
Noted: {"hour": 2, "minute": 32}
